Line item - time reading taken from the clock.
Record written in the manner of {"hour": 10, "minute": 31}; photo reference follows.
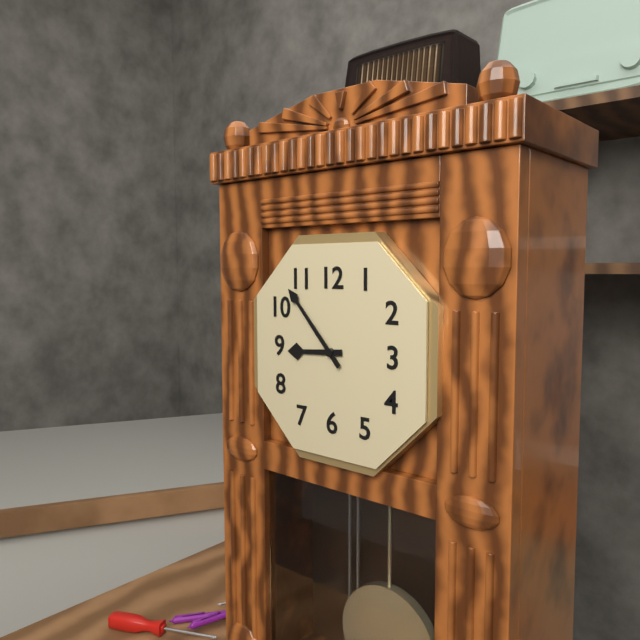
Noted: {"hour": 8, "minute": 53}
